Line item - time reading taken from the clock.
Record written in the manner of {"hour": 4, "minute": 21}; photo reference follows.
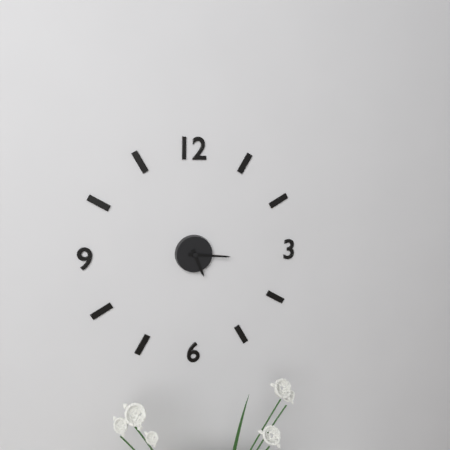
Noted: {"hour": 5, "minute": 16}
